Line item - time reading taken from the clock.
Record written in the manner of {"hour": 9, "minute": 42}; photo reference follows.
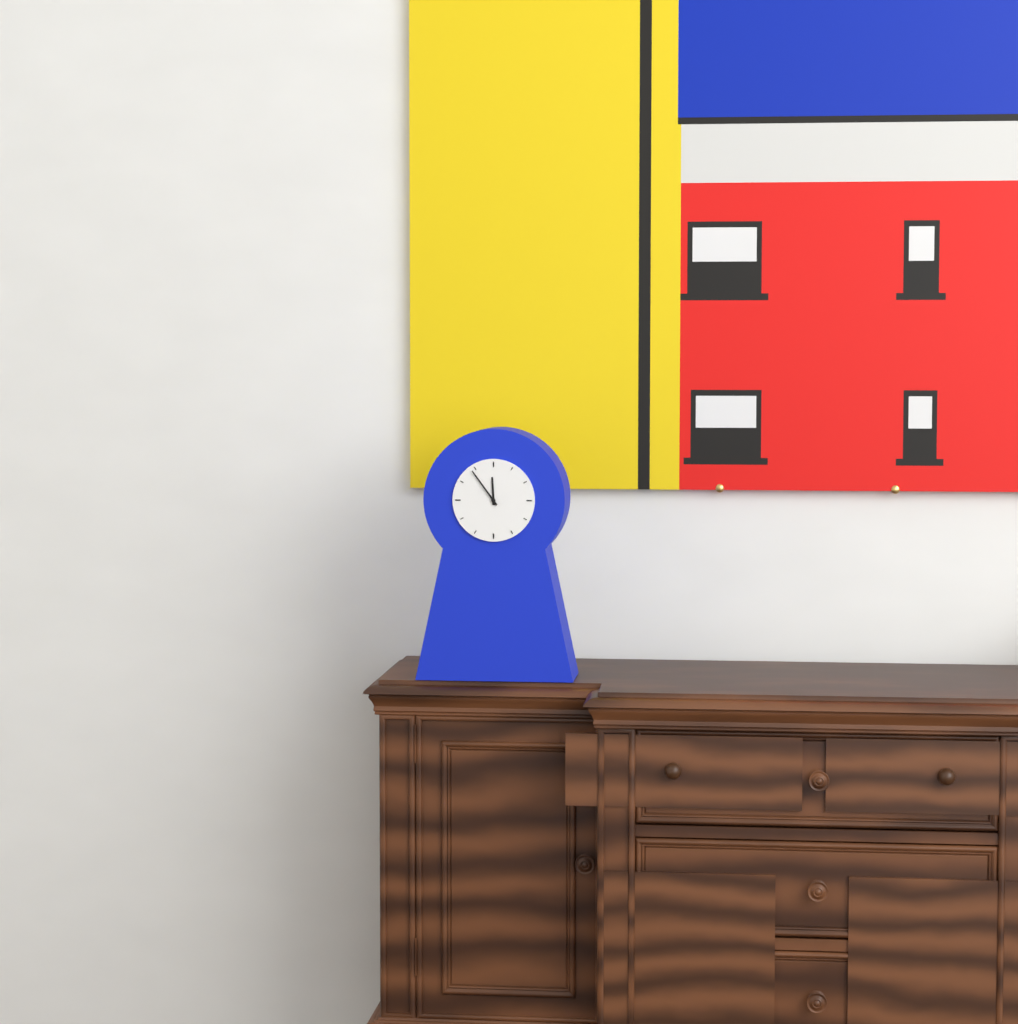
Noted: {"hour": 11, "minute": 54}
